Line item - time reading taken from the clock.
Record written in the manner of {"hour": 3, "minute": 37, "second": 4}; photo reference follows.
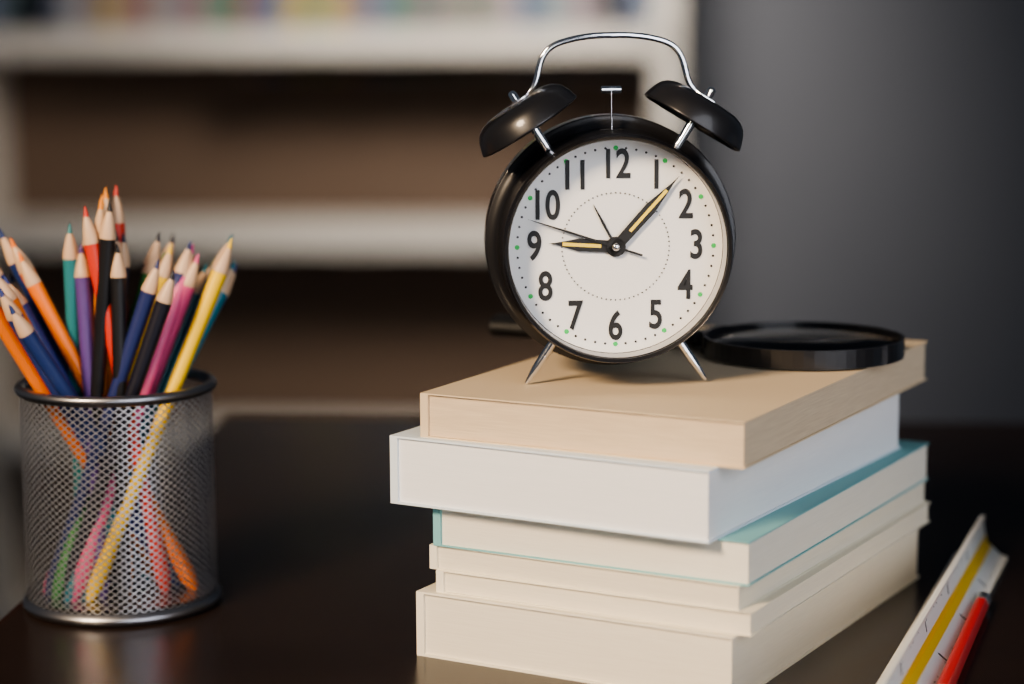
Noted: {"hour": 9, "minute": 7, "second": 48}
